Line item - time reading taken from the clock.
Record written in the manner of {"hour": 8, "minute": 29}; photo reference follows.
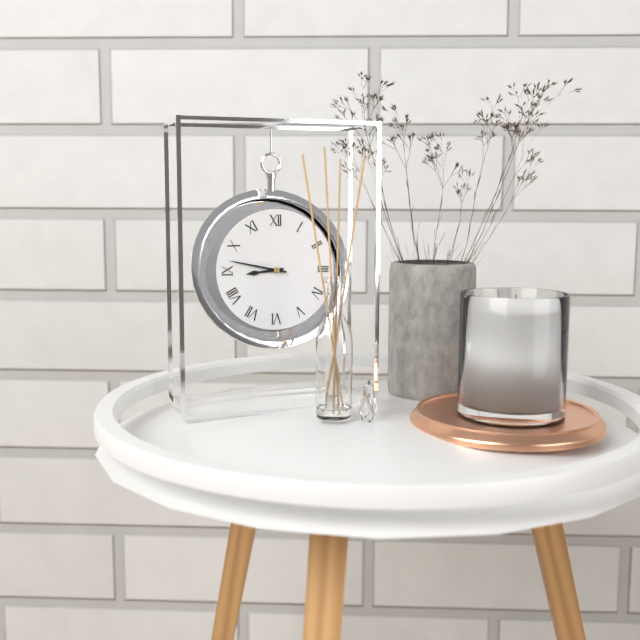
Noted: {"hour": 8, "minute": 47}
